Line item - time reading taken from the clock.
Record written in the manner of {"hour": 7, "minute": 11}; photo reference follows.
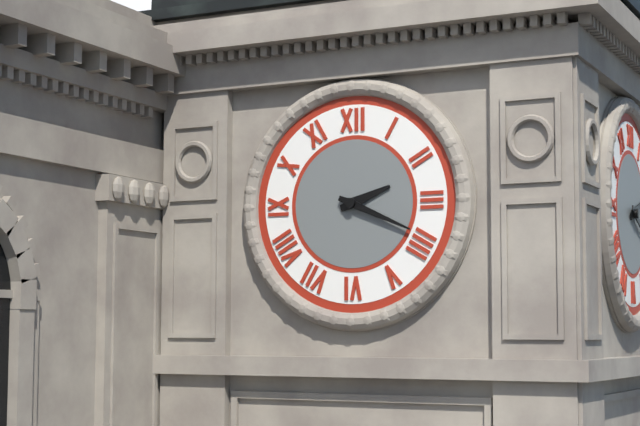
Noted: {"hour": 2, "minute": 19}
